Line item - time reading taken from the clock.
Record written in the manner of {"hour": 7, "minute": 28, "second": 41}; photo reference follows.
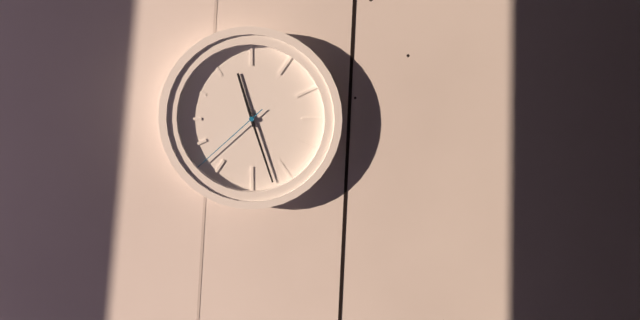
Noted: {"hour": 11, "minute": 27, "second": 38}
